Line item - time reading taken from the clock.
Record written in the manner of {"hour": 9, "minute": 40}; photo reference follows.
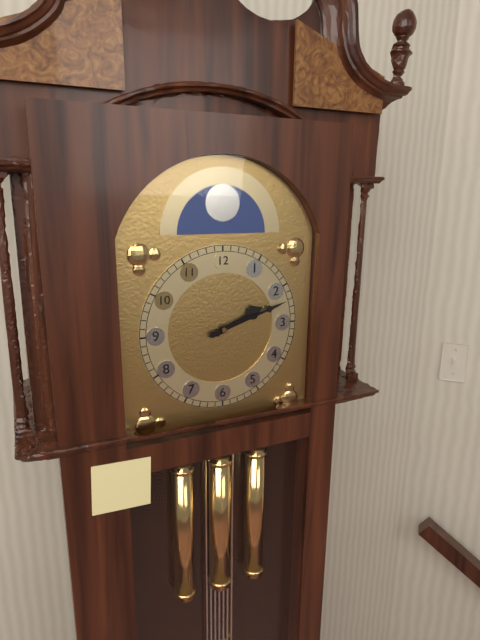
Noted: {"hour": 2, "minute": 12}
